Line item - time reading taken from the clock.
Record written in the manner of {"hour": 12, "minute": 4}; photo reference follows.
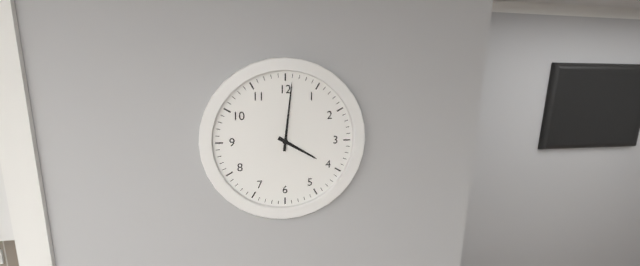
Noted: {"hour": 4, "minute": 1}
